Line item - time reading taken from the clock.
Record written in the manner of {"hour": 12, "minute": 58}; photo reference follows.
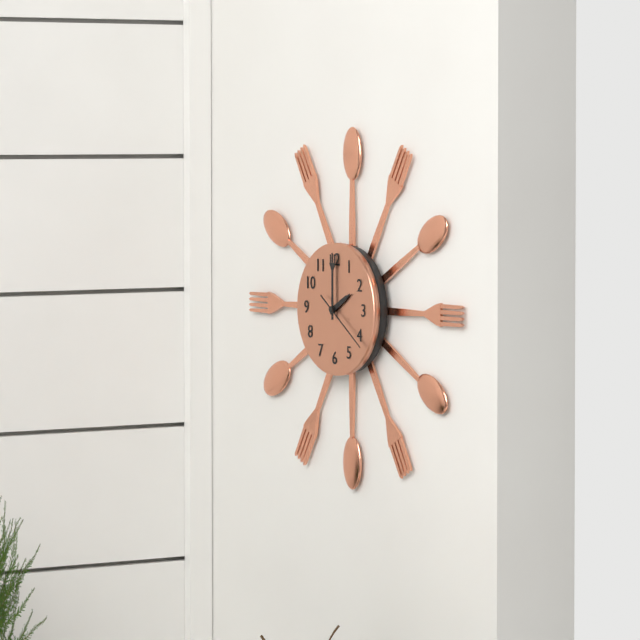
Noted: {"hour": 2, "minute": 0}
